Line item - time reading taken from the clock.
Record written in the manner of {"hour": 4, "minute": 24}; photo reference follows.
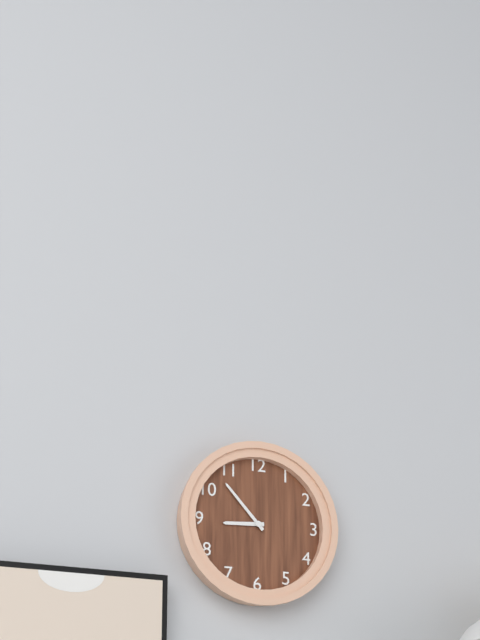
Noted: {"hour": 8, "minute": 53}
